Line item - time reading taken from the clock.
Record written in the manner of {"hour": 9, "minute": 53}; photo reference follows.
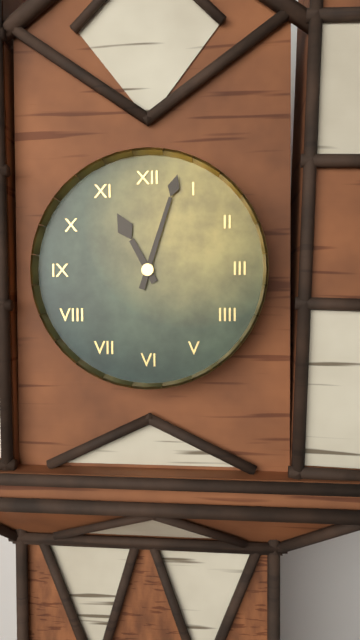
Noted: {"hour": 11, "minute": 3}
